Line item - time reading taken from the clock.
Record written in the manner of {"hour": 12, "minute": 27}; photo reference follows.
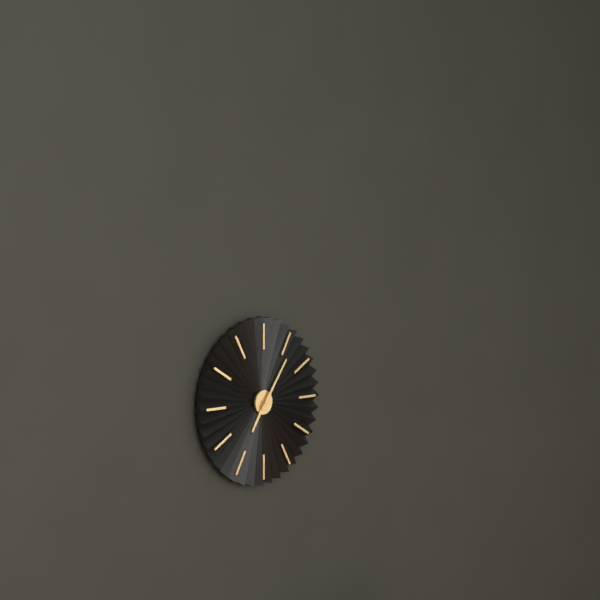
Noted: {"hour": 7, "minute": 6}
